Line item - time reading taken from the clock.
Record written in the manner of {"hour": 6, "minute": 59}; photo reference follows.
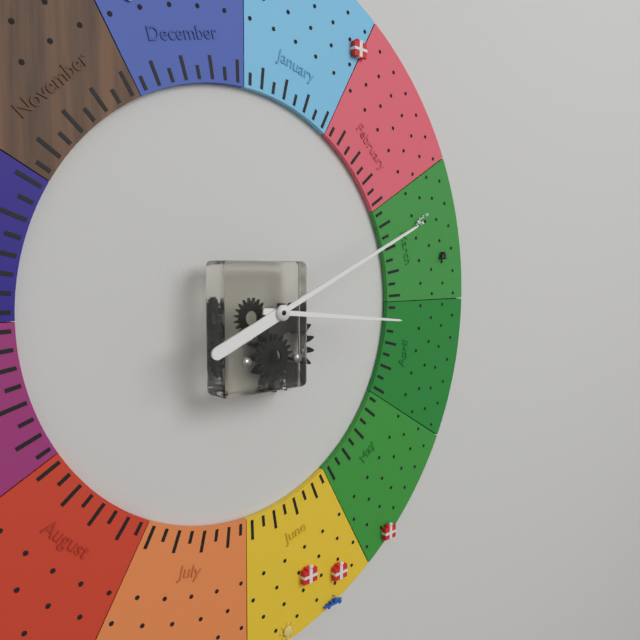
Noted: {"hour": 3, "minute": 11}
